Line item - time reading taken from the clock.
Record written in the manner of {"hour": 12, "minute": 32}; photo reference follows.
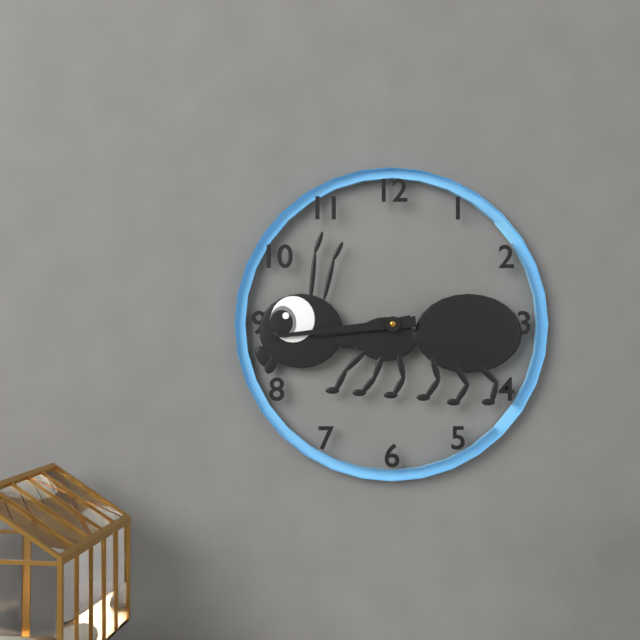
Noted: {"hour": 8, "minute": 44}
